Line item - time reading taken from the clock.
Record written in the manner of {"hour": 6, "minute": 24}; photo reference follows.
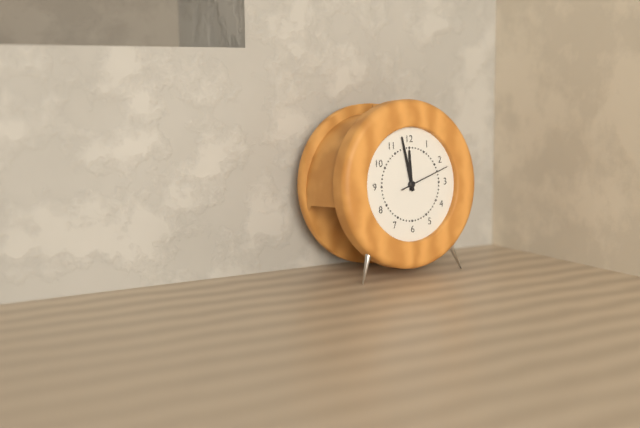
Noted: {"hour": 11, "minute": 58}
